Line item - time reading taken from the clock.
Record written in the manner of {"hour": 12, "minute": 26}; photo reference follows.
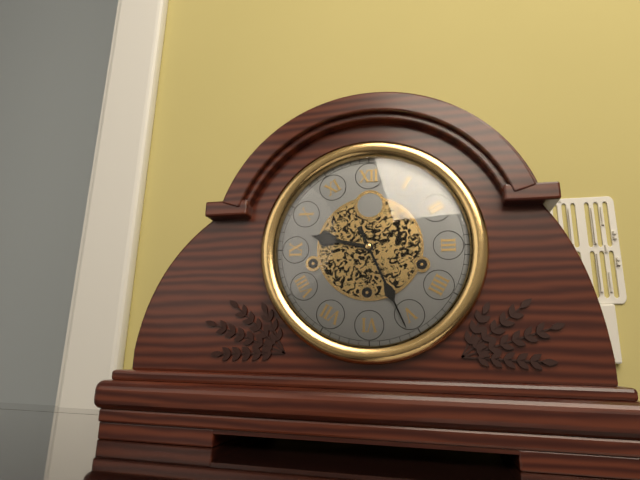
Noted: {"hour": 9, "minute": 26}
